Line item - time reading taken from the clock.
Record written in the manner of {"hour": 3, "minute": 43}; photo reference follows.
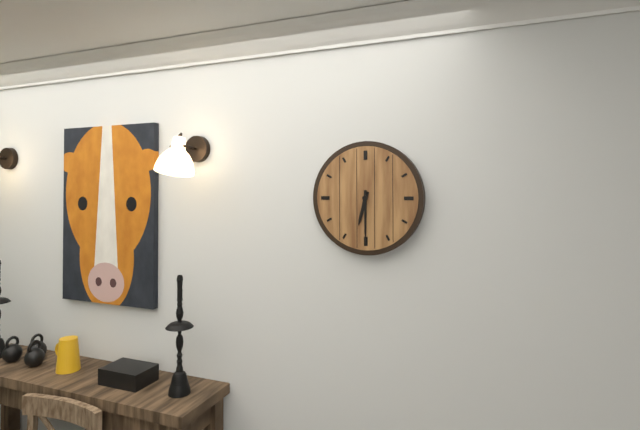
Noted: {"hour": 6, "minute": 30}
